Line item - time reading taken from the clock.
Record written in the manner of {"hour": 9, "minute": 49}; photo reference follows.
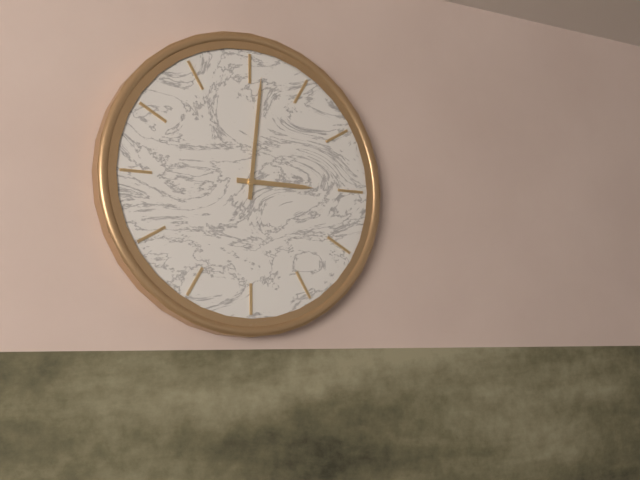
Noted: {"hour": 3, "minute": 1}
